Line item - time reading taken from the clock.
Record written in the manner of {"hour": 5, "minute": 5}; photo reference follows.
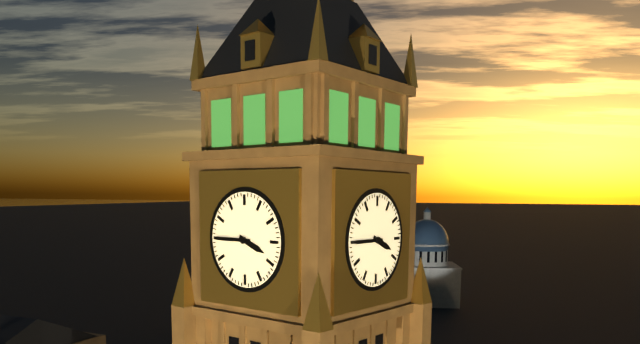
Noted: {"hour": 3, "minute": 45}
